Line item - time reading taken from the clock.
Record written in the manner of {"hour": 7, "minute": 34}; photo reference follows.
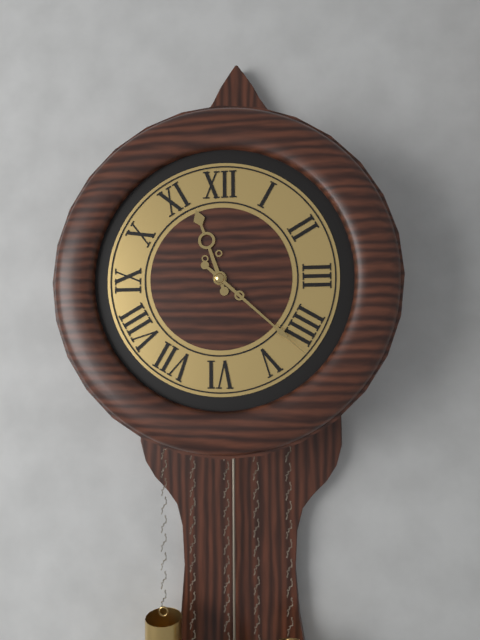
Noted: {"hour": 11, "minute": 22}
